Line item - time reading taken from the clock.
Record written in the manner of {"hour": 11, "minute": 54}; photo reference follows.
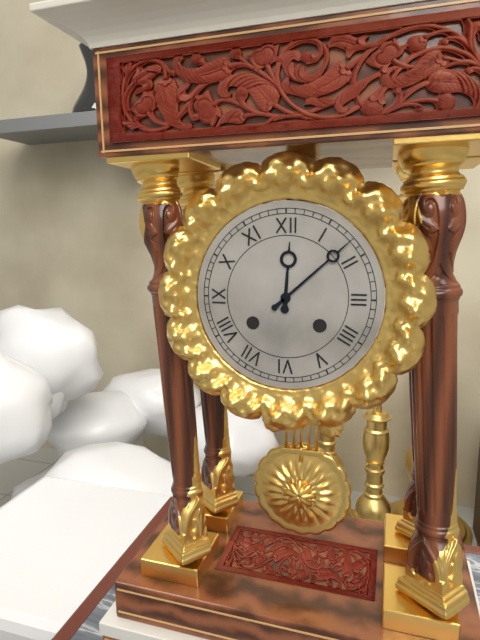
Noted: {"hour": 12, "minute": 8}
